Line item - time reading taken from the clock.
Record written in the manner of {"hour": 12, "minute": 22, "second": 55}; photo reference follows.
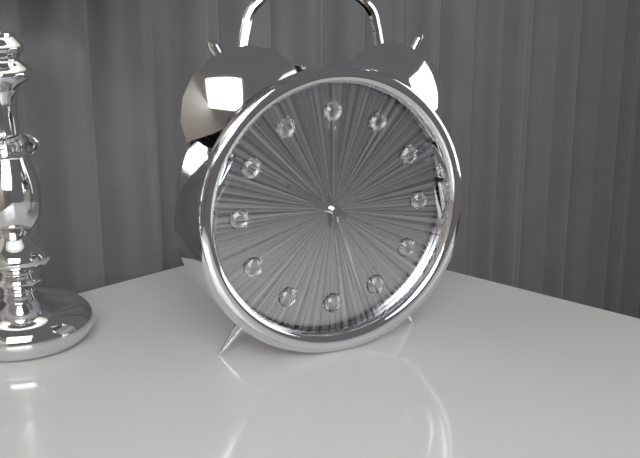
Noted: {"hour": 10, "minute": 0, "second": 27}
